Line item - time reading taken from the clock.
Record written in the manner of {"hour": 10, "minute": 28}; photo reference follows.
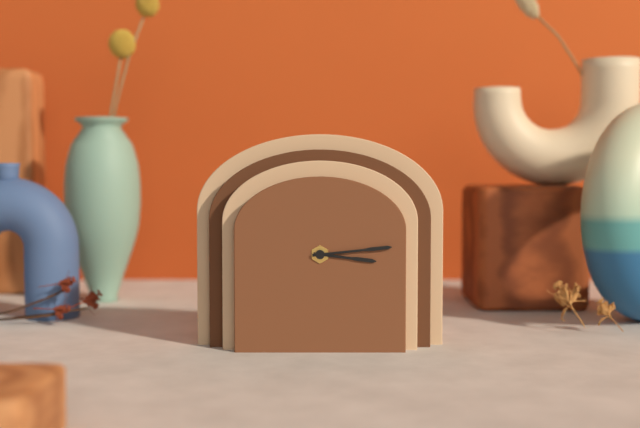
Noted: {"hour": 3, "minute": 14}
